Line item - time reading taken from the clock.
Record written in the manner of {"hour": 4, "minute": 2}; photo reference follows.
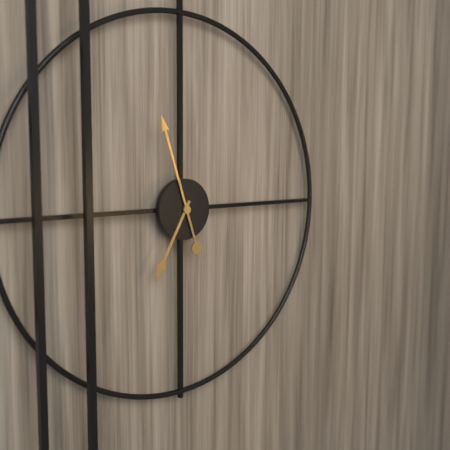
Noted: {"hour": 6, "minute": 57}
